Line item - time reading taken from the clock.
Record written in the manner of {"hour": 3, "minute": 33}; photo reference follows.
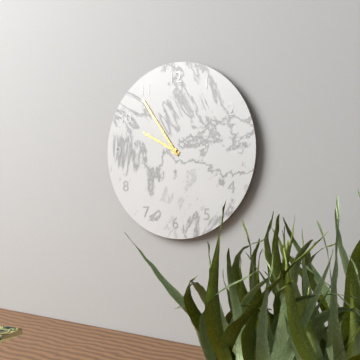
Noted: {"hour": 9, "minute": 54}
